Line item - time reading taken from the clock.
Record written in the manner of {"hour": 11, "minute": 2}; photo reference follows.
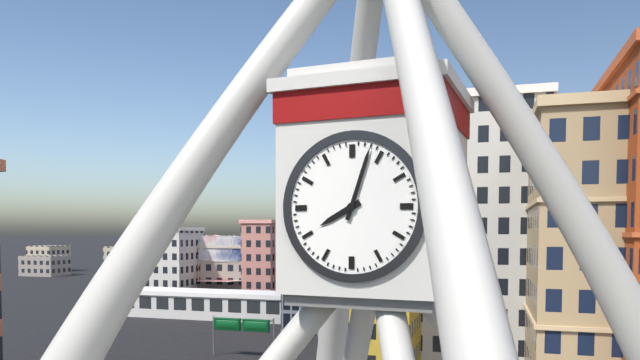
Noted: {"hour": 8, "minute": 3}
